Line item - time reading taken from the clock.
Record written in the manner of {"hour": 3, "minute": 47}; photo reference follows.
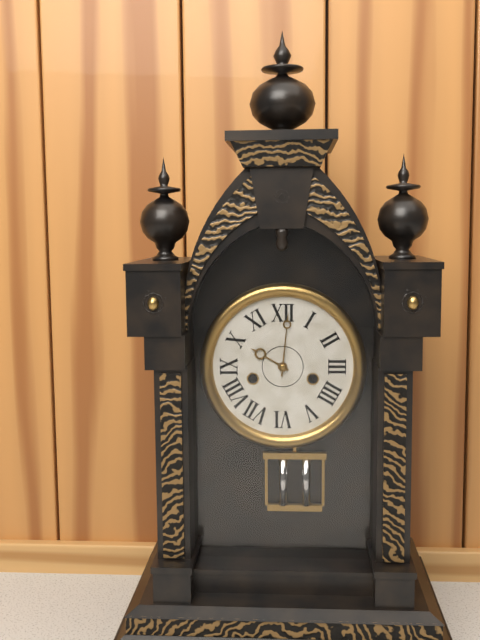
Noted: {"hour": 10, "minute": 1}
